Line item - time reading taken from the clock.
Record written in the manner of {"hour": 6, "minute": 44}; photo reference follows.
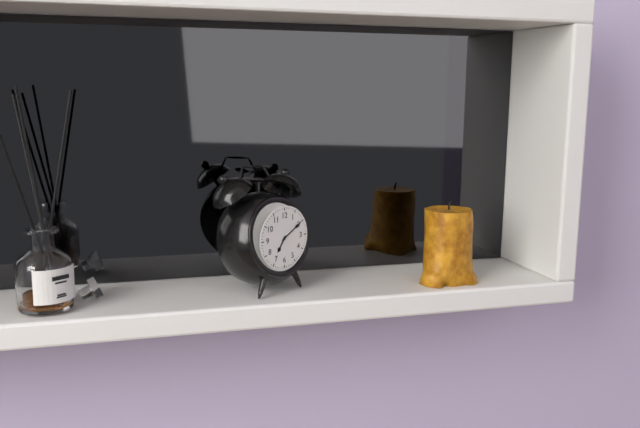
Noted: {"hour": 7, "minute": 10}
